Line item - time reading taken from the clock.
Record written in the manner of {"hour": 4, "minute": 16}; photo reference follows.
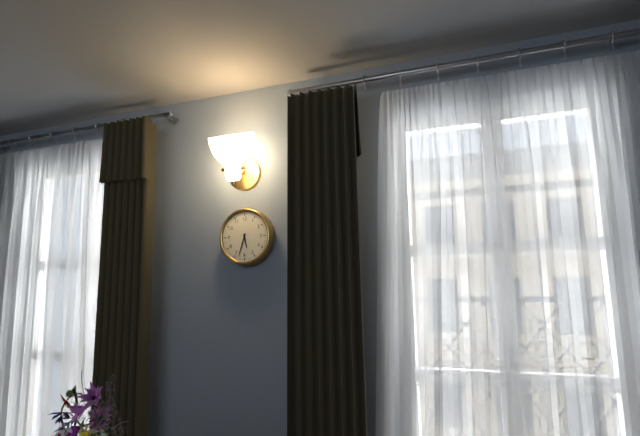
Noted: {"hour": 5, "minute": 33}
